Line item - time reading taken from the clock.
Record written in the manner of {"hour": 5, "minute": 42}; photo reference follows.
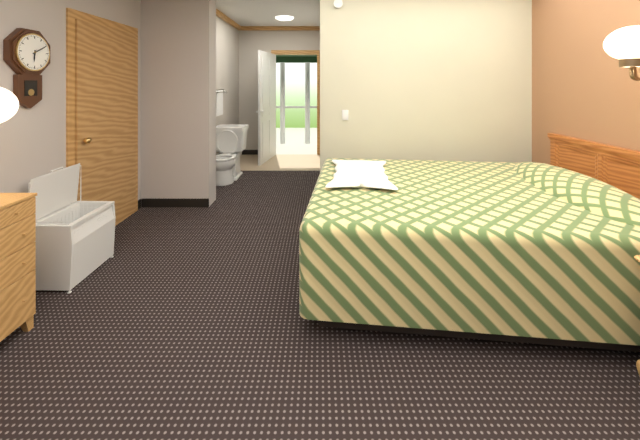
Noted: {"hour": 6, "minute": 10}
